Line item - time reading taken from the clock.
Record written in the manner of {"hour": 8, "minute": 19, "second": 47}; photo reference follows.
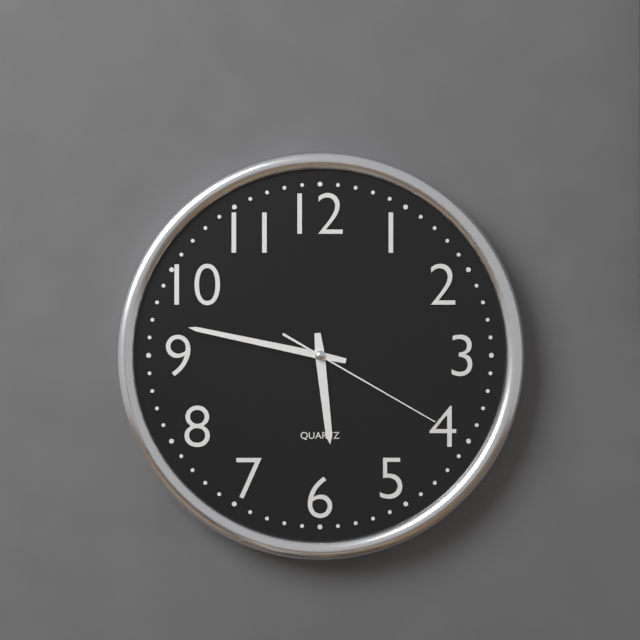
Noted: {"hour": 5, "minute": 47, "second": 20}
